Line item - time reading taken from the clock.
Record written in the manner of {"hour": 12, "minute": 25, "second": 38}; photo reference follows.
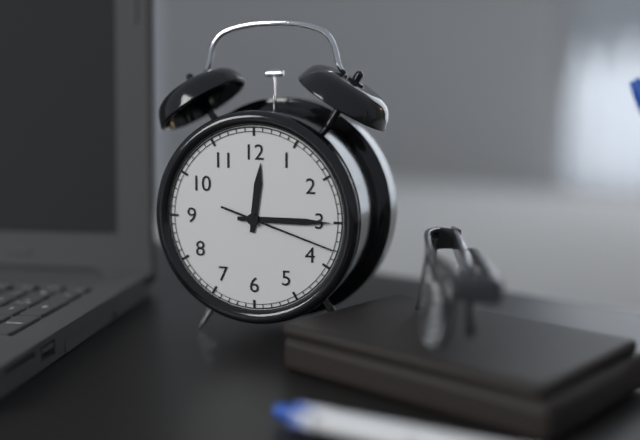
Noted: {"hour": 12, "minute": 15, "second": 18}
